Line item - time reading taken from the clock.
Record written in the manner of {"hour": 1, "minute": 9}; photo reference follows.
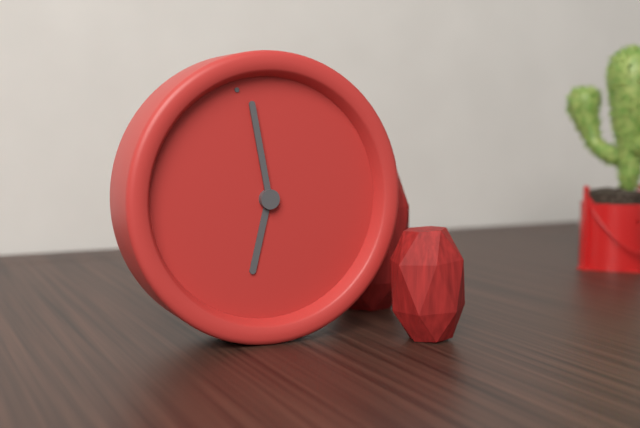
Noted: {"hour": 7, "minute": 1}
